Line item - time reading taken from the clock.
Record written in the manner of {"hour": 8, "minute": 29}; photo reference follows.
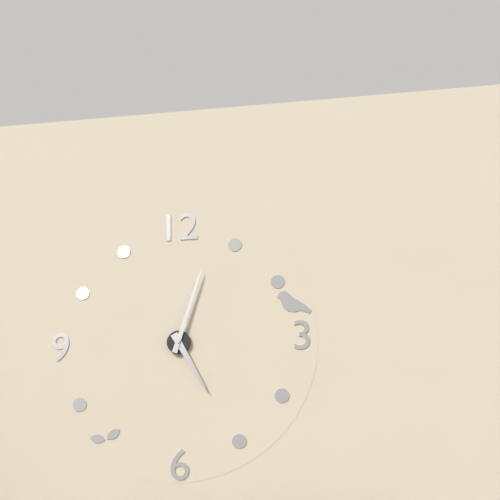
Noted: {"hour": 5, "minute": 3}
